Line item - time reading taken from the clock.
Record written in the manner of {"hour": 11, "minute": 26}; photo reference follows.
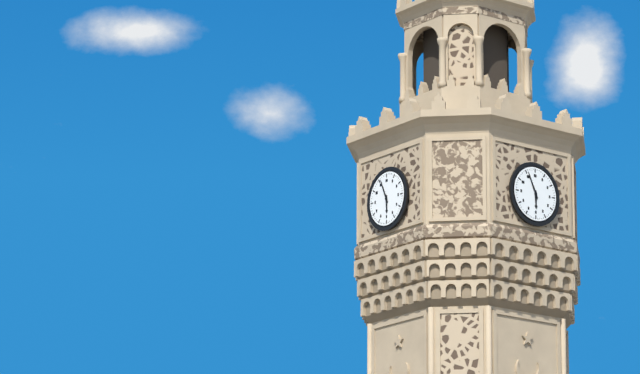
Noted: {"hour": 5, "minute": 56}
